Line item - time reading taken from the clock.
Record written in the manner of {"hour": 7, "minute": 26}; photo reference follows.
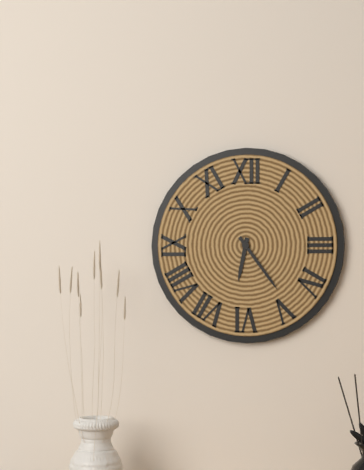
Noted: {"hour": 6, "minute": 24}
